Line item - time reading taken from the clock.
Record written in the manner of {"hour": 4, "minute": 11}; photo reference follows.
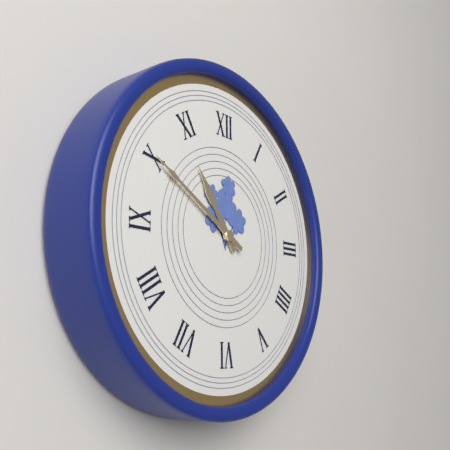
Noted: {"hour": 10, "minute": 50}
